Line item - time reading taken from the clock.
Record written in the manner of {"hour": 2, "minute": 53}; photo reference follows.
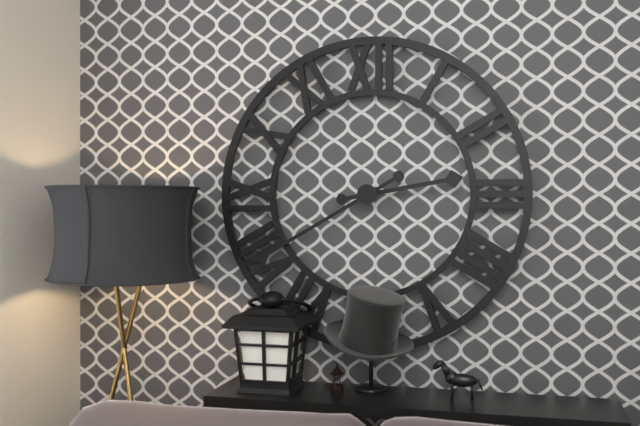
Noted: {"hour": 2, "minute": 40}
